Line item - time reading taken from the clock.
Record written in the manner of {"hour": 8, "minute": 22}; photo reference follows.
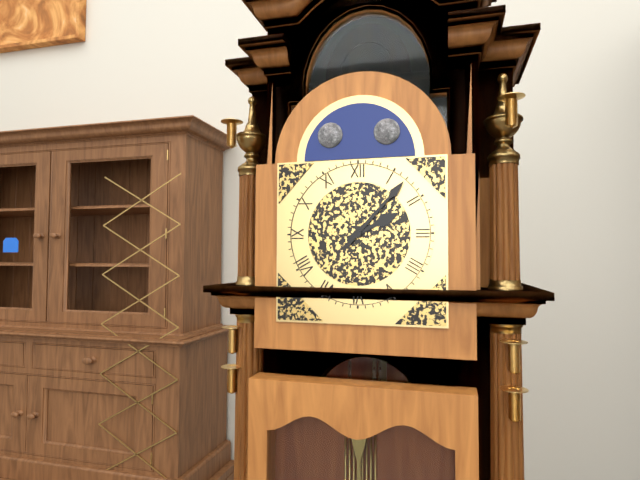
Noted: {"hour": 2, "minute": 7}
